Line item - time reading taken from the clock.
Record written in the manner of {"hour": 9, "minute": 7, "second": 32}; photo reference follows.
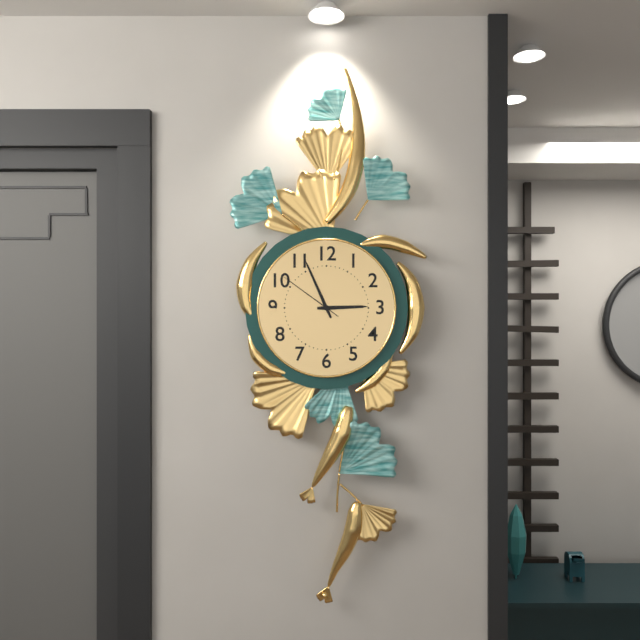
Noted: {"hour": 2, "minute": 56, "second": 51}
